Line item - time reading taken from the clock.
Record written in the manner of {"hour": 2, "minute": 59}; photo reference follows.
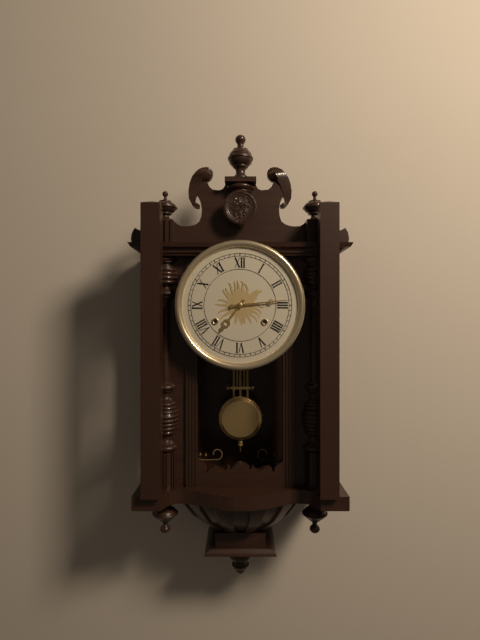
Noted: {"hour": 7, "minute": 14}
